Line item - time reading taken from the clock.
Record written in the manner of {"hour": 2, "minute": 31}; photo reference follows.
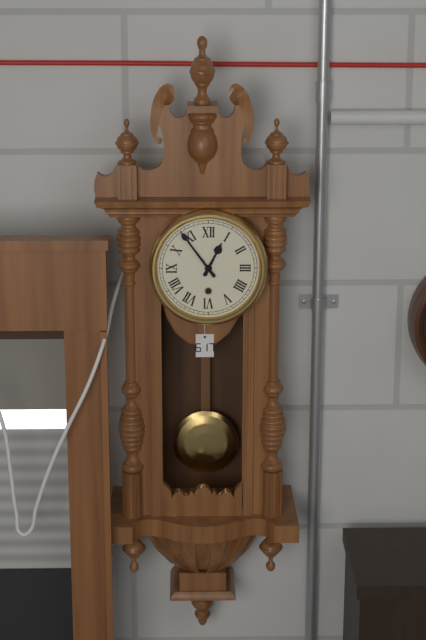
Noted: {"hour": 12, "minute": 54}
